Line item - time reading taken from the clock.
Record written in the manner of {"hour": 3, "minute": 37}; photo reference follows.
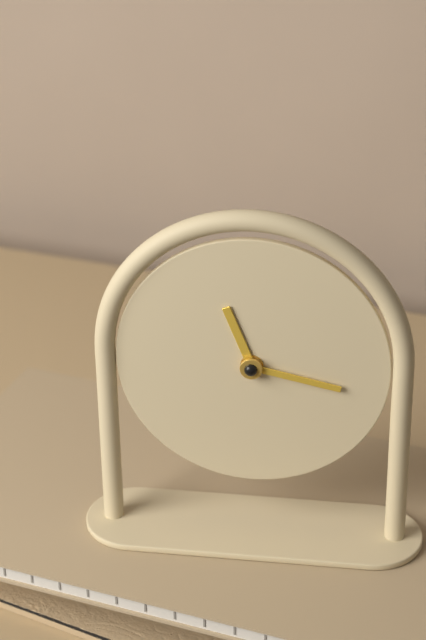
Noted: {"hour": 11, "minute": 17}
